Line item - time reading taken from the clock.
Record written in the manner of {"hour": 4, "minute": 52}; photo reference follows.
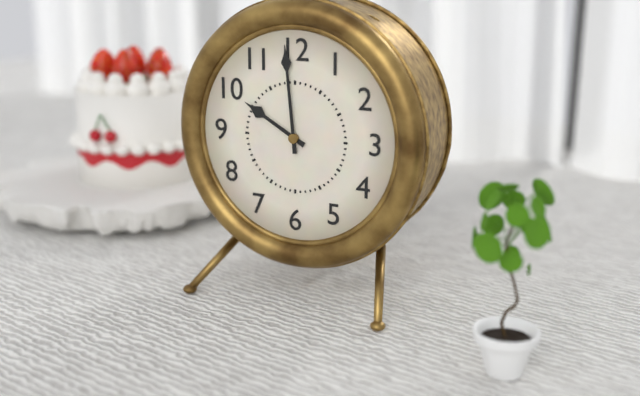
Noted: {"hour": 9, "minute": 59}
